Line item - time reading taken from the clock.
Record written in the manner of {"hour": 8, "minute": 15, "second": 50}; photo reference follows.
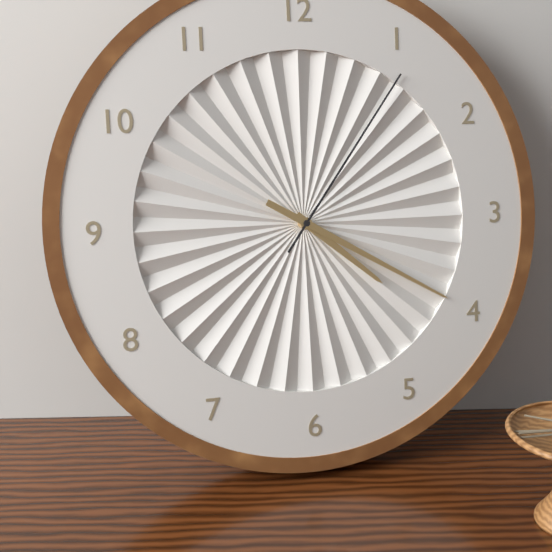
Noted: {"hour": 4, "minute": 20, "second": 6}
